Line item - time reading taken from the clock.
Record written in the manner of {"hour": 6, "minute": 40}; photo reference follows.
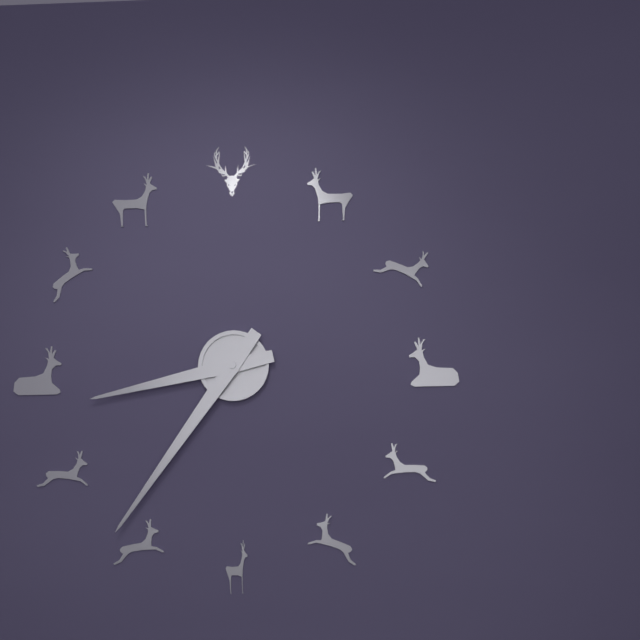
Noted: {"hour": 8, "minute": 36}
